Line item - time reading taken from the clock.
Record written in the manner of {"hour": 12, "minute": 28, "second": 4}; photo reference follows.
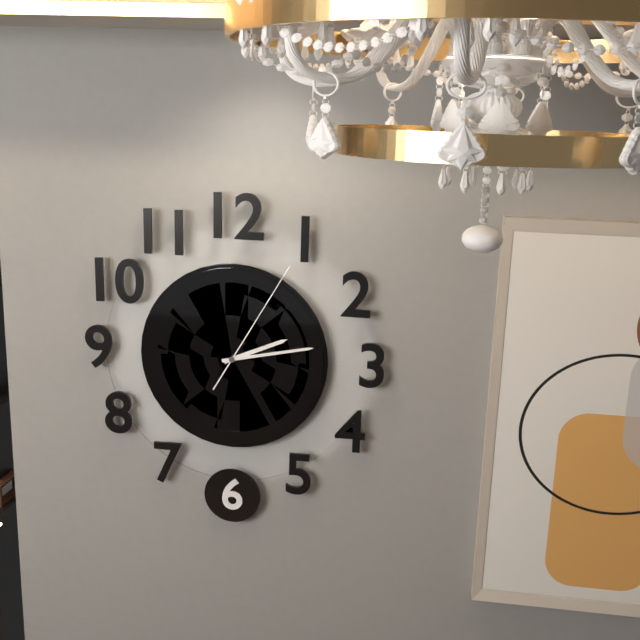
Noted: {"hour": 2, "minute": 13, "second": 5}
